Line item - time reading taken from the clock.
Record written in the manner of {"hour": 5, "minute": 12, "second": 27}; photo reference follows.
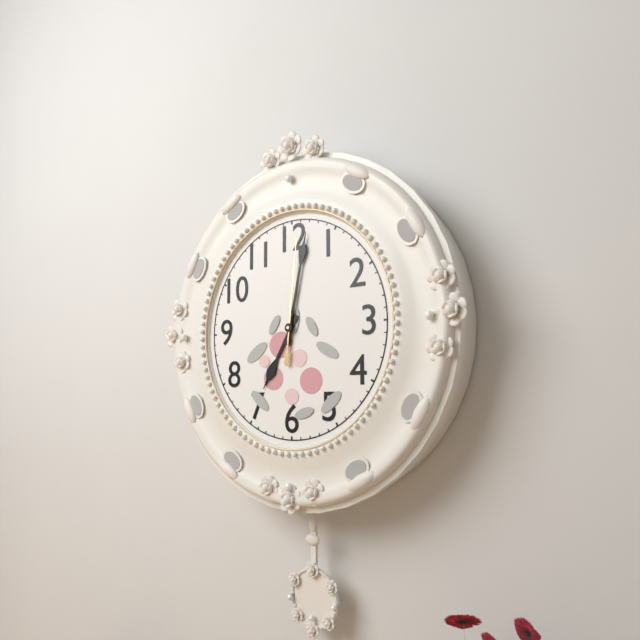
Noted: {"hour": 7, "minute": 2, "second": 1}
